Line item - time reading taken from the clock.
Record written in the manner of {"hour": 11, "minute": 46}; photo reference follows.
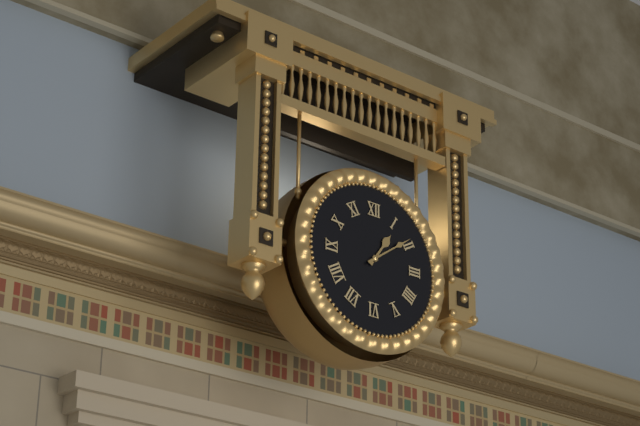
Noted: {"hour": 1, "minute": 9}
